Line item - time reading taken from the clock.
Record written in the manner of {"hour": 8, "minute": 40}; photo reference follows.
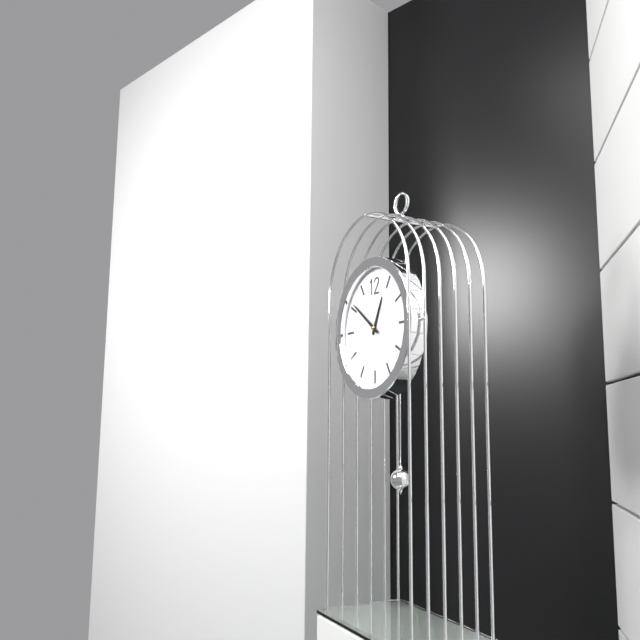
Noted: {"hour": 12, "minute": 51}
